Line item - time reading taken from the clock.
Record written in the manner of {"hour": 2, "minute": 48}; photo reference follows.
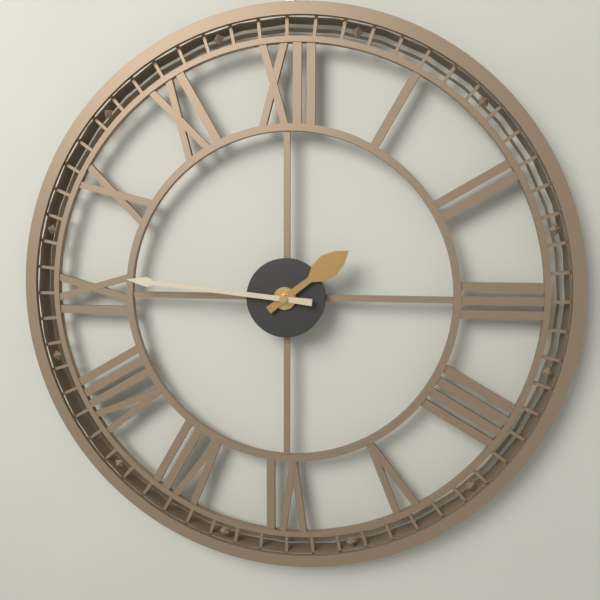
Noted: {"hour": 1, "minute": 46}
